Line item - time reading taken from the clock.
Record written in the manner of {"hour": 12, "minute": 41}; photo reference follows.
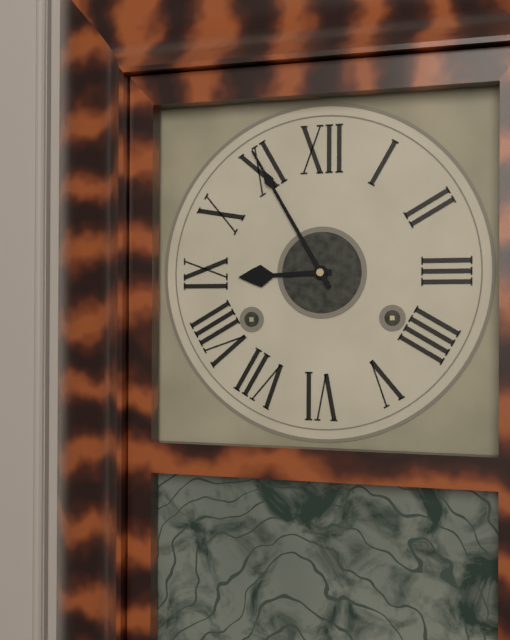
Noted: {"hour": 8, "minute": 55}
